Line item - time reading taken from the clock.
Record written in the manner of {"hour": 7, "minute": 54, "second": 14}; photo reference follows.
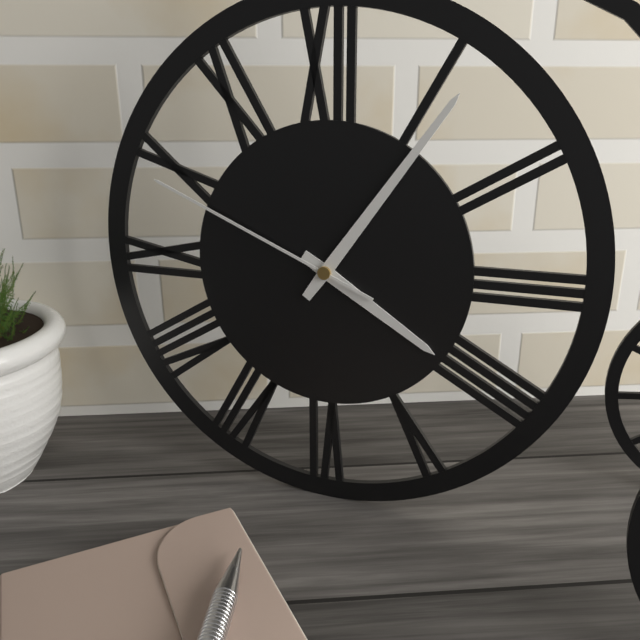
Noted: {"hour": 4, "minute": 6, "second": 49}
